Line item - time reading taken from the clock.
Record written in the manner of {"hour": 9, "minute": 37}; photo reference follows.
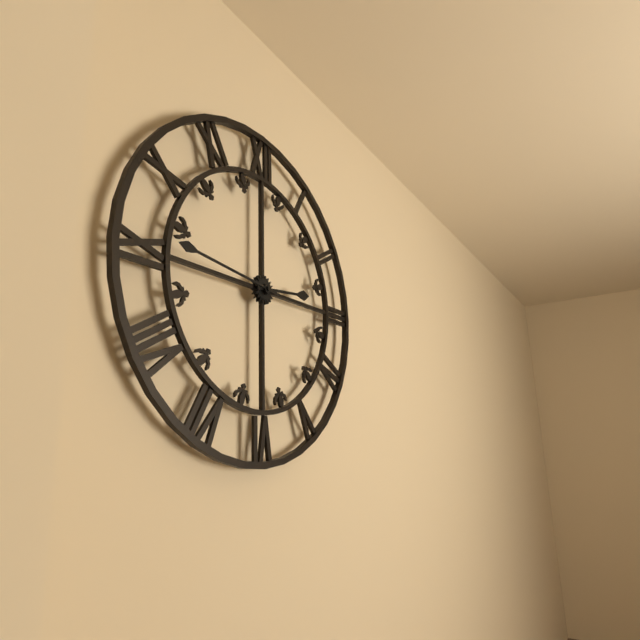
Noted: {"hour": 2, "minute": 46}
